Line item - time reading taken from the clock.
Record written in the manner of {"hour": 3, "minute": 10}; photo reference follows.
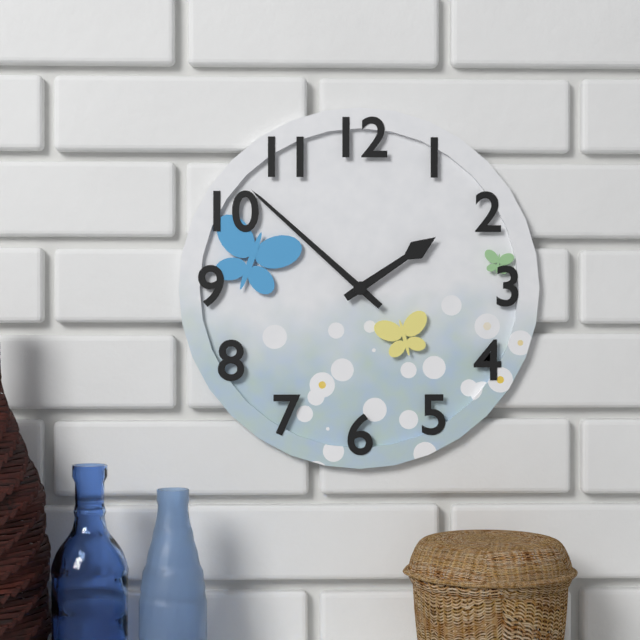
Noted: {"hour": 1, "minute": 52}
